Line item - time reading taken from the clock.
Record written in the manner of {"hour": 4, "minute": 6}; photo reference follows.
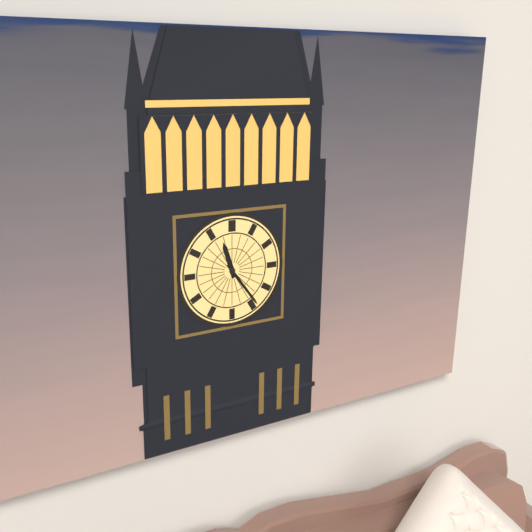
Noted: {"hour": 11, "minute": 24}
